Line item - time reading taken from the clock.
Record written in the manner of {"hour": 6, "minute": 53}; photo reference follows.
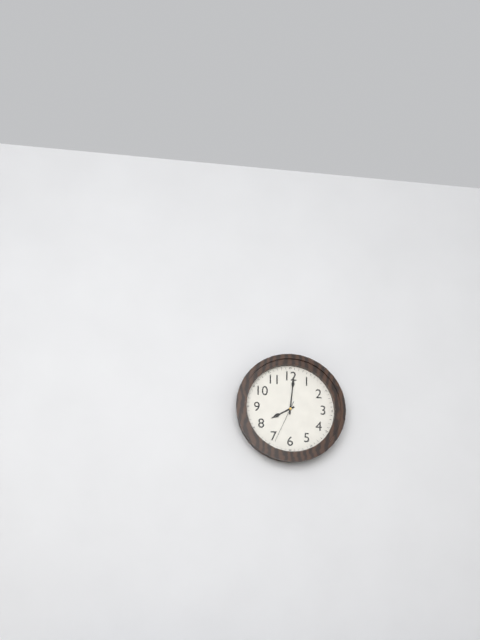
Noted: {"hour": 8, "minute": 1}
